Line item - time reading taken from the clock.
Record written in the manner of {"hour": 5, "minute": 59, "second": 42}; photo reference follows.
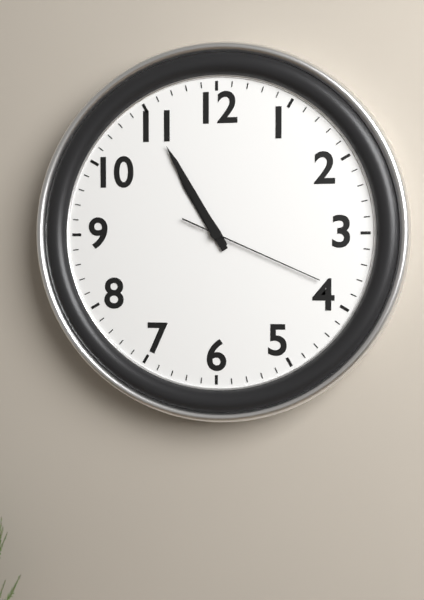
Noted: {"hour": 10, "minute": 55, "second": 19}
